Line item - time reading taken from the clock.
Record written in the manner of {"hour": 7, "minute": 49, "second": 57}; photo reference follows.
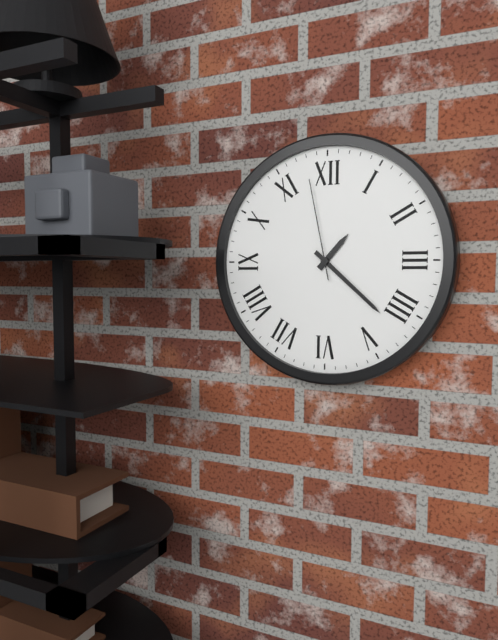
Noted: {"hour": 1, "minute": 22, "second": 58}
